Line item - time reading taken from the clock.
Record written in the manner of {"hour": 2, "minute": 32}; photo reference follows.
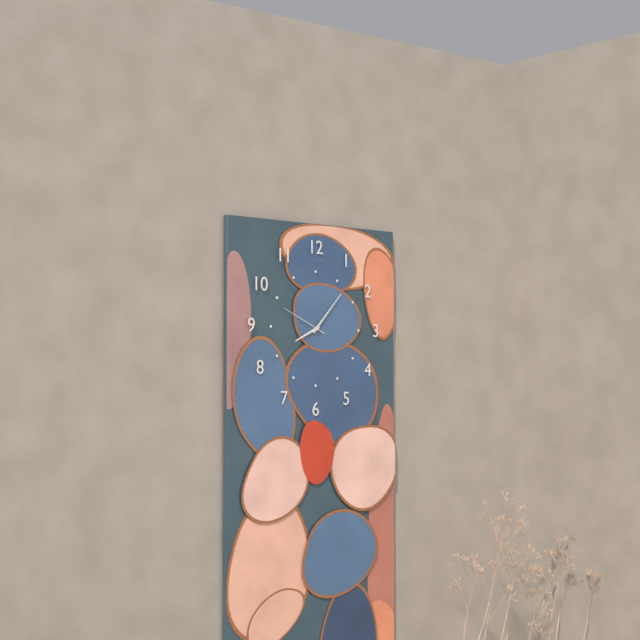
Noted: {"hour": 8, "minute": 7}
